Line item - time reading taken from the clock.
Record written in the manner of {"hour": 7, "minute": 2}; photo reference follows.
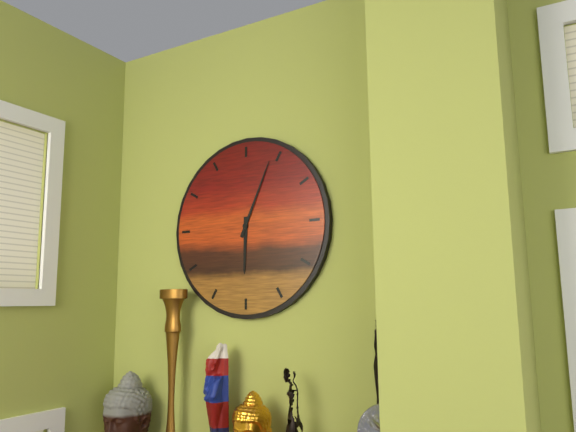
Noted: {"hour": 6, "minute": 4}
